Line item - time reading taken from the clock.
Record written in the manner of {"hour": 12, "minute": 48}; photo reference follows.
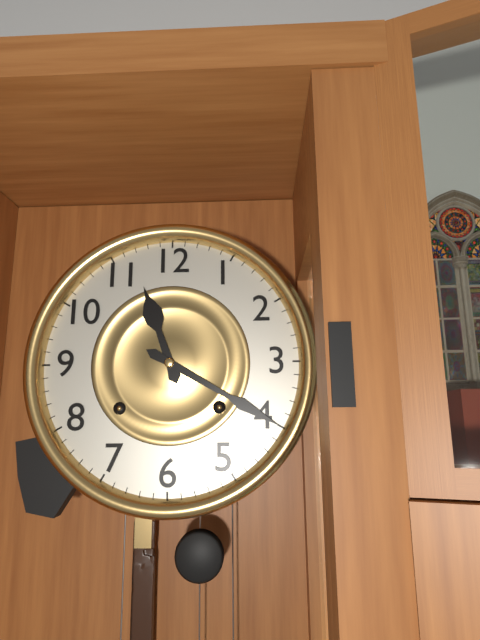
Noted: {"hour": 11, "minute": 20}
